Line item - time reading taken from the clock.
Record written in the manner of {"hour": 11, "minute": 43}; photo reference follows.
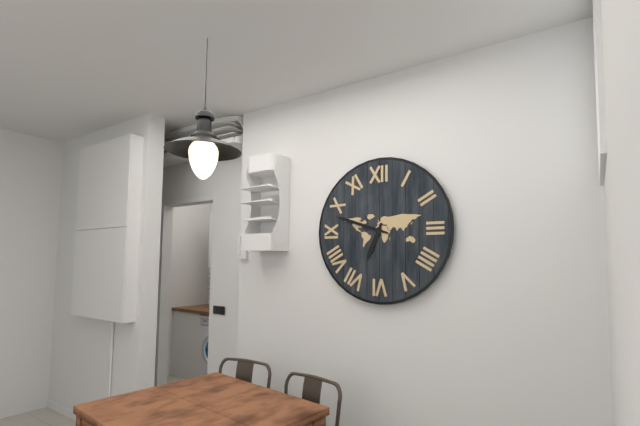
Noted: {"hour": 6, "minute": 48}
